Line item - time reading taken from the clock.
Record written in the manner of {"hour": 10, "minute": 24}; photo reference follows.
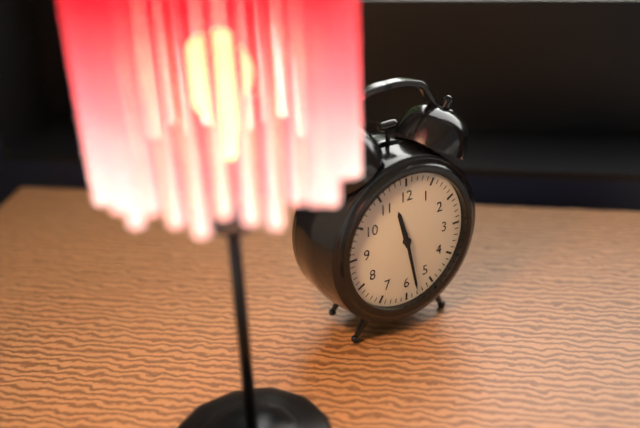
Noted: {"hour": 11, "minute": 28}
